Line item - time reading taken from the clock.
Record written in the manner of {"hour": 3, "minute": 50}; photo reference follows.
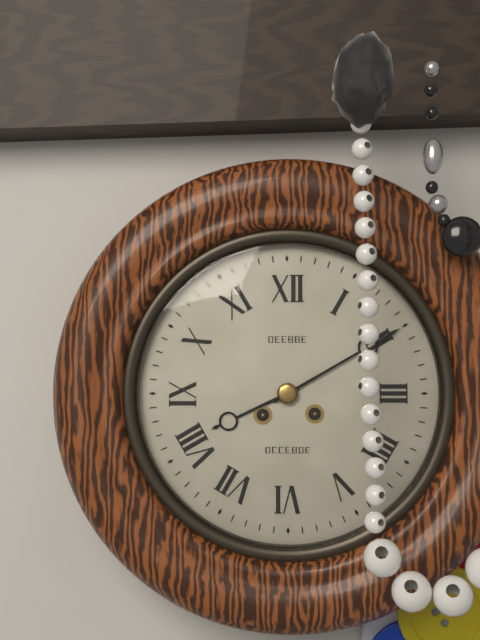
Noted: {"hour": 8, "minute": 10}
